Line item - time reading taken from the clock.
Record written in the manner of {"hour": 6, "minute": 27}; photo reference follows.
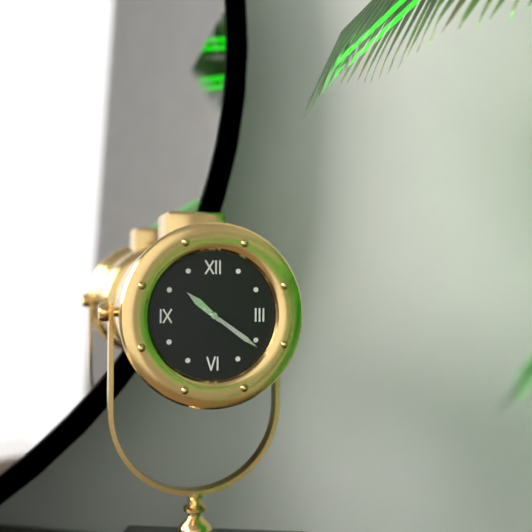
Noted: {"hour": 10, "minute": 21}
